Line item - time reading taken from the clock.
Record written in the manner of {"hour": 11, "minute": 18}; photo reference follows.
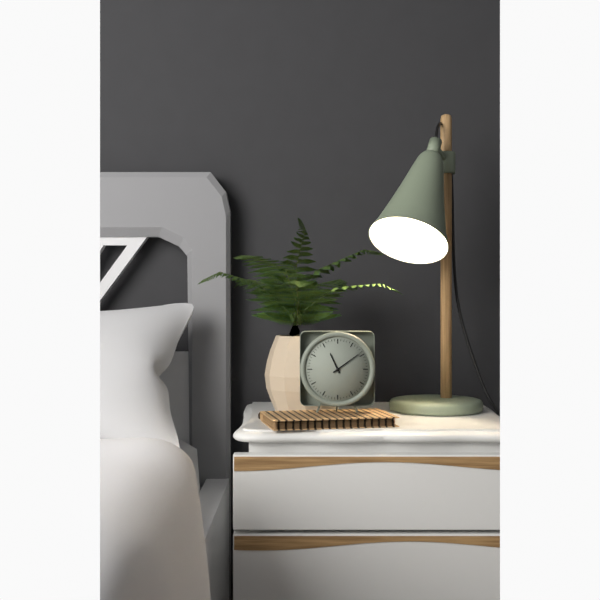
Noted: {"hour": 11, "minute": 9}
